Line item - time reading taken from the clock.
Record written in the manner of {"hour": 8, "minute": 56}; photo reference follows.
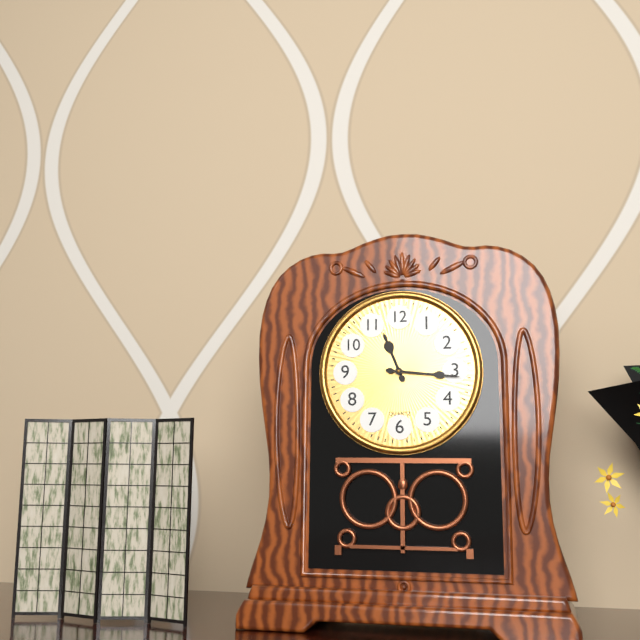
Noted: {"hour": 11, "minute": 16}
